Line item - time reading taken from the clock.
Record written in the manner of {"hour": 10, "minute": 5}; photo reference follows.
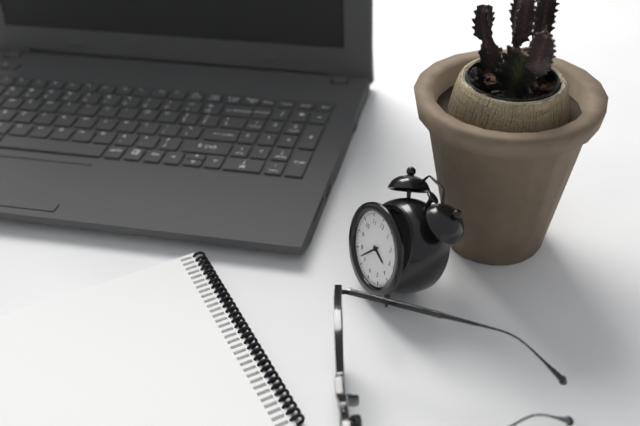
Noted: {"hour": 3, "minute": 37}
